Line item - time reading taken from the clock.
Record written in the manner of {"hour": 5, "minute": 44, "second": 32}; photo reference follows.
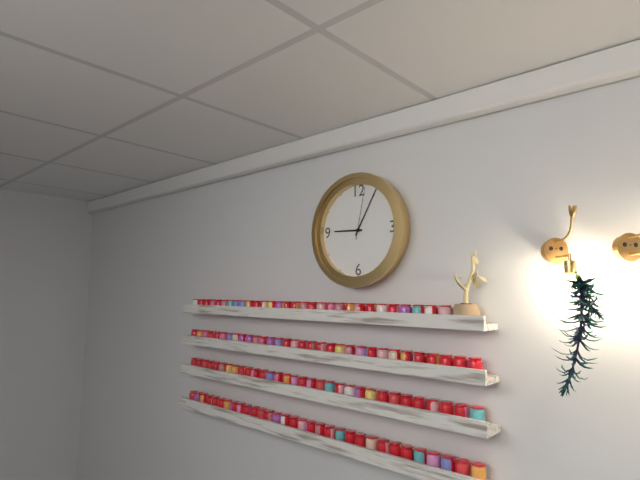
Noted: {"hour": 9, "minute": 5, "second": 2}
